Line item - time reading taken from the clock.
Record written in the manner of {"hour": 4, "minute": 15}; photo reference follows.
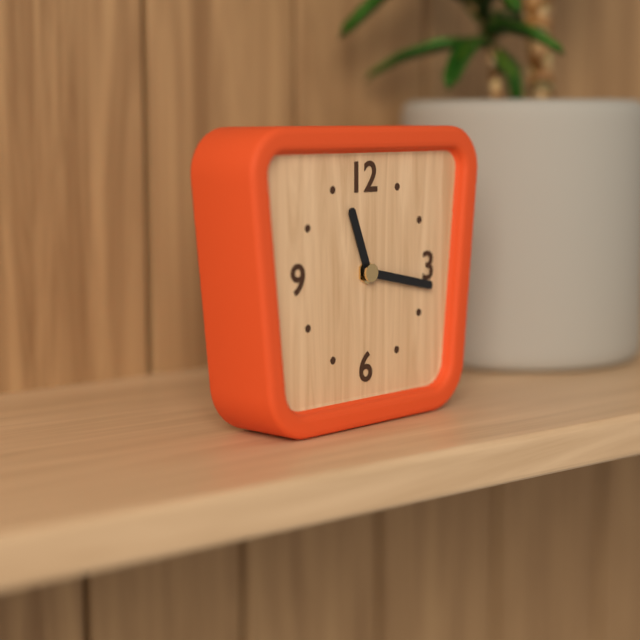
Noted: {"hour": 11, "minute": 17}
